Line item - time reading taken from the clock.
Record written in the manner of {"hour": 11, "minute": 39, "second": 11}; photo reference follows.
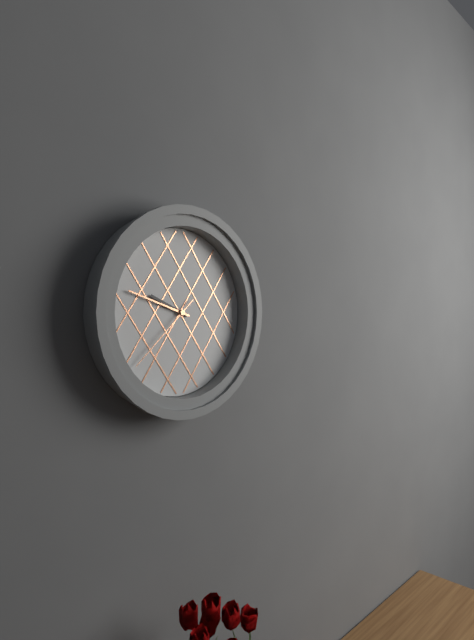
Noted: {"hour": 9, "minute": 48, "second": 38}
